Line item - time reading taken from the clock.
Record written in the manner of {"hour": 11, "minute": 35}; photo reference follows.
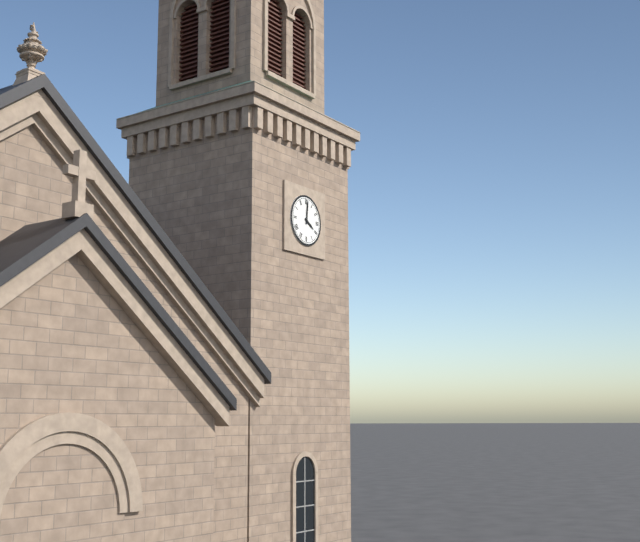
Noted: {"hour": 4, "minute": 1}
